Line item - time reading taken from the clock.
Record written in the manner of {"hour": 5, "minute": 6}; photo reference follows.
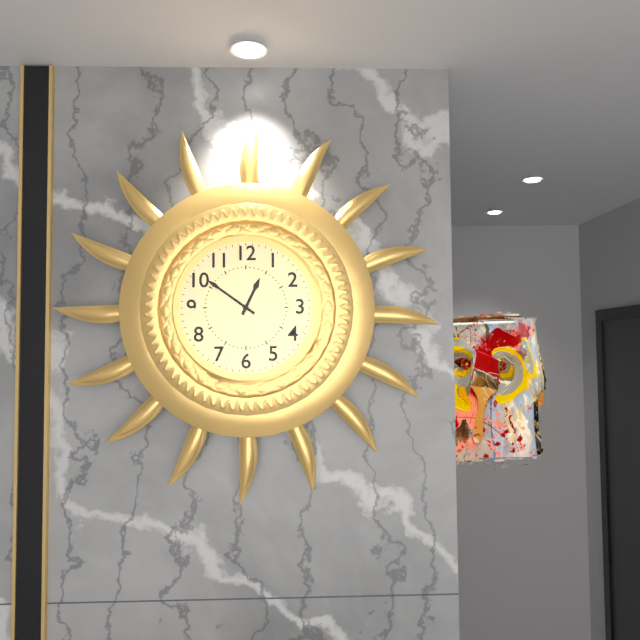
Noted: {"hour": 12, "minute": 51}
